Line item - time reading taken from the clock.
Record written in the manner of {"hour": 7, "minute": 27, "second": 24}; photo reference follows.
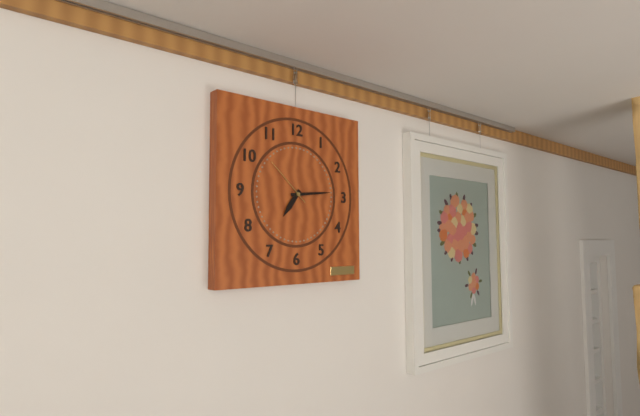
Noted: {"hour": 7, "minute": 14, "second": 52}
